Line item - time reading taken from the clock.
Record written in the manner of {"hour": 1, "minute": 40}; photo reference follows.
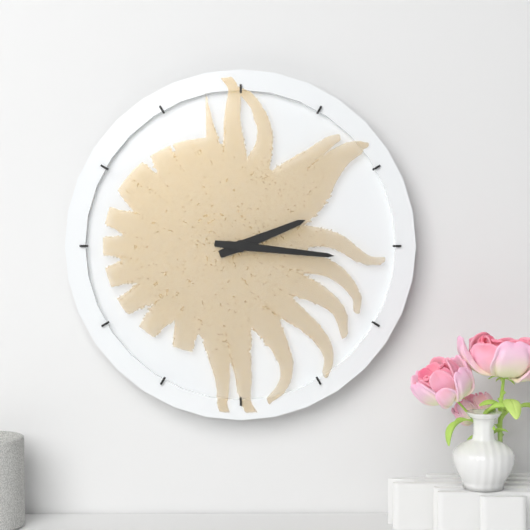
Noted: {"hour": 2, "minute": 16}
